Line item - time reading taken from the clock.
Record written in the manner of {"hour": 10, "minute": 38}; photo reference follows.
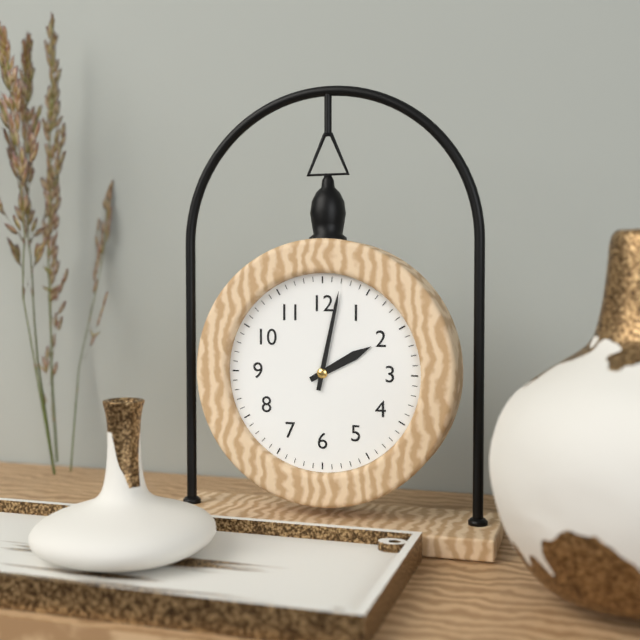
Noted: {"hour": 2, "minute": 2}
